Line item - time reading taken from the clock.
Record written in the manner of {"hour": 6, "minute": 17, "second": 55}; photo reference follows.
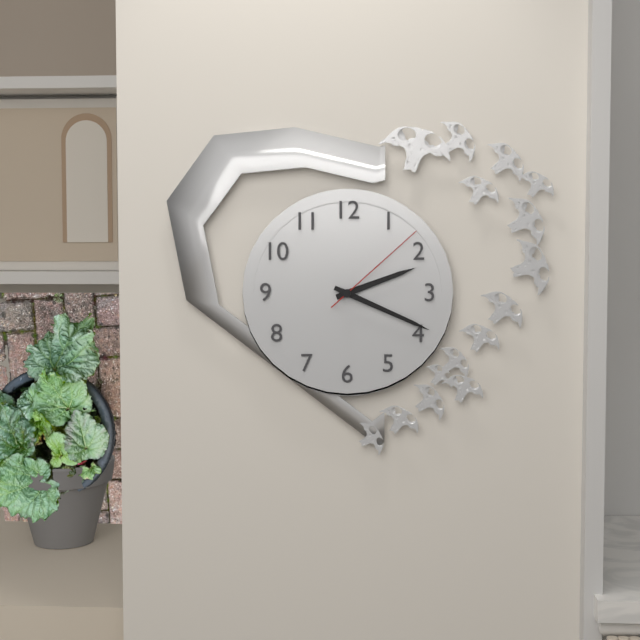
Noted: {"hour": 2, "minute": 19, "second": 8}
